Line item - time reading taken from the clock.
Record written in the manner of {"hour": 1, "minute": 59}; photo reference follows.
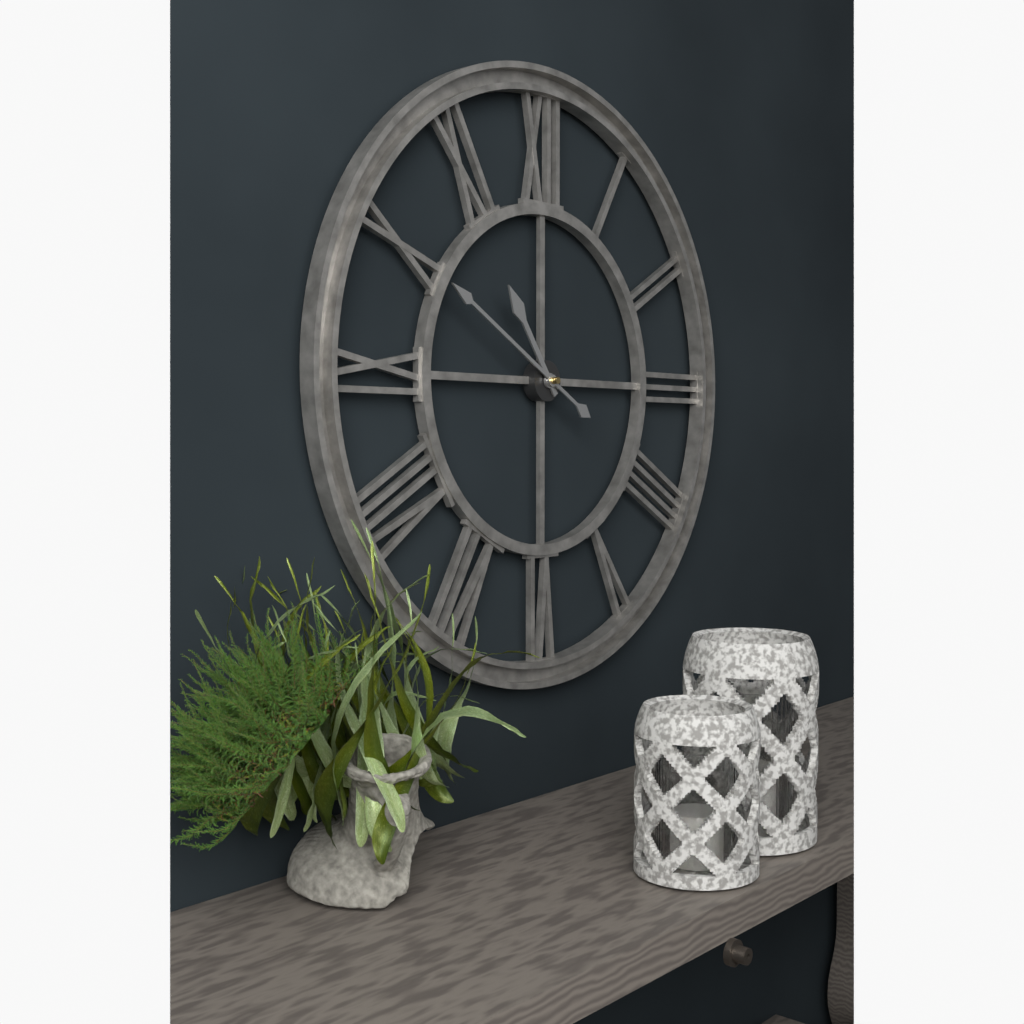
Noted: {"hour": 10, "minute": 50}
